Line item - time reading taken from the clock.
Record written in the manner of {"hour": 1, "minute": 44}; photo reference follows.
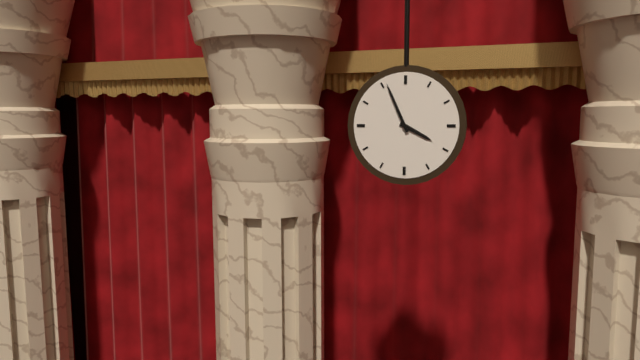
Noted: {"hour": 3, "minute": 56}
